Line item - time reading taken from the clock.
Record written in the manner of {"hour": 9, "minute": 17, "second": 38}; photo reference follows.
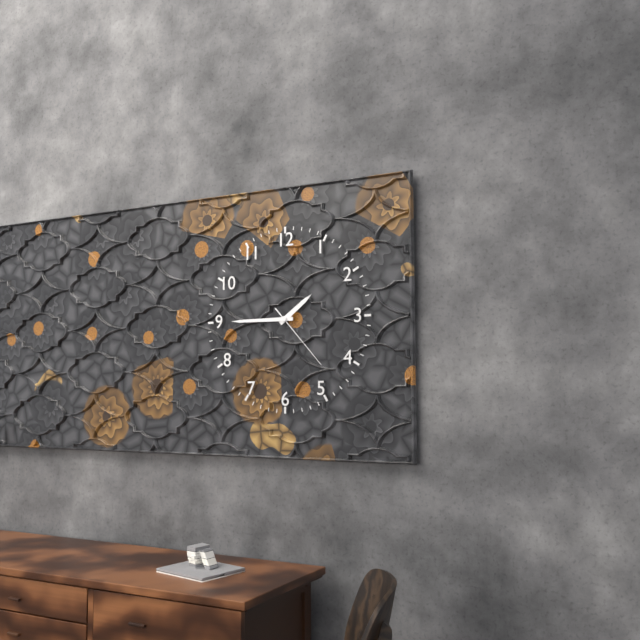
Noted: {"hour": 1, "minute": 45, "second": 23}
